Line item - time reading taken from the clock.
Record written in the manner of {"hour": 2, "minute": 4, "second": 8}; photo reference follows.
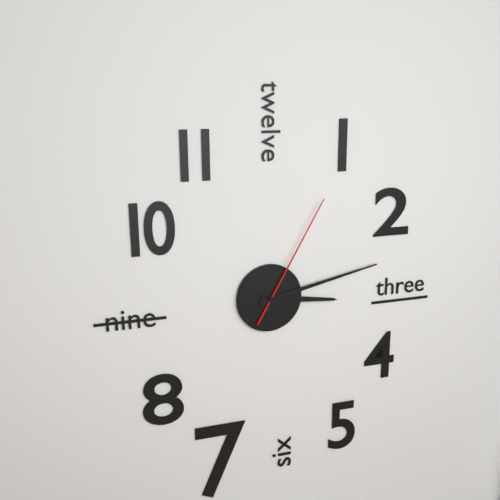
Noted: {"hour": 3, "minute": 13, "second": 5}
